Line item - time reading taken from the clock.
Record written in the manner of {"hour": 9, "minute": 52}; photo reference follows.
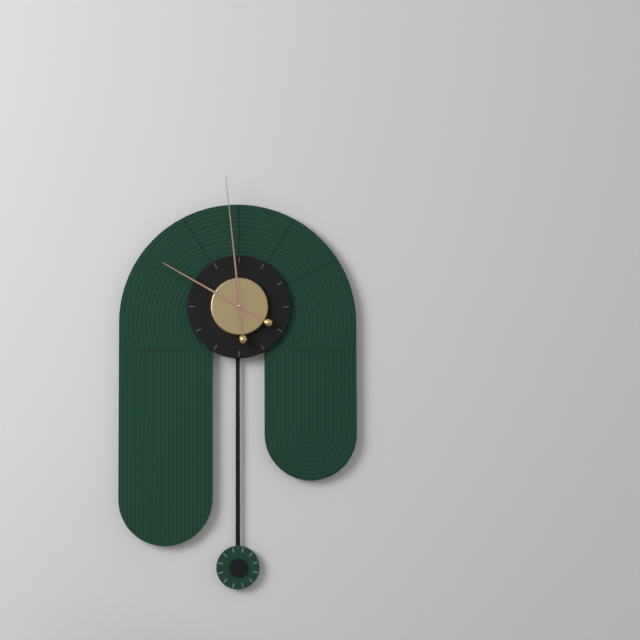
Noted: {"hour": 9, "minute": 59}
